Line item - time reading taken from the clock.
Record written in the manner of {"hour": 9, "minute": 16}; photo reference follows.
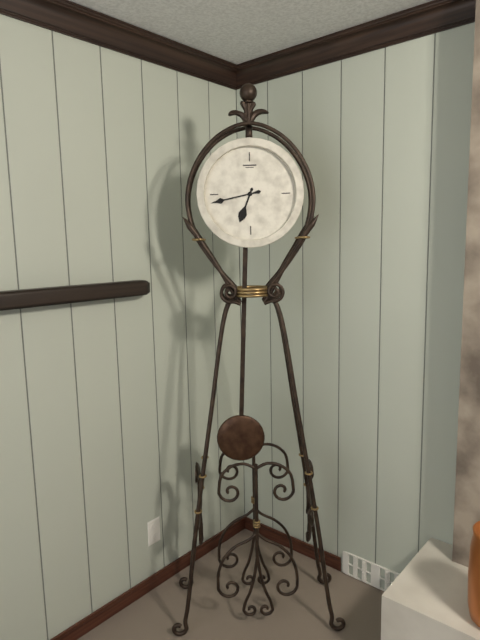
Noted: {"hour": 6, "minute": 43}
